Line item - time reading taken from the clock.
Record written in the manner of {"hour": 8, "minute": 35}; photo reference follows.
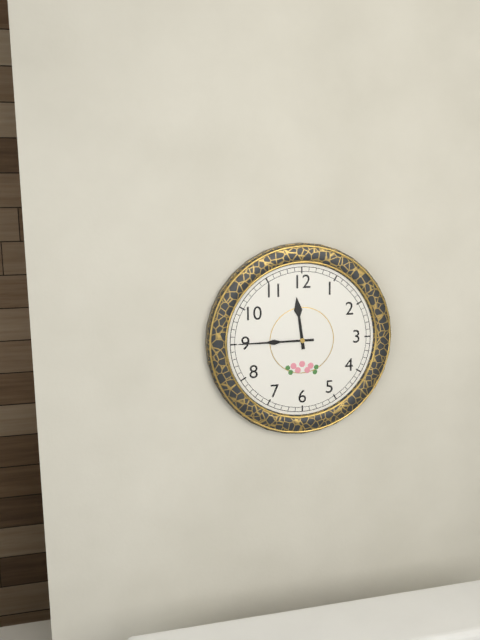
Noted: {"hour": 11, "minute": 45}
